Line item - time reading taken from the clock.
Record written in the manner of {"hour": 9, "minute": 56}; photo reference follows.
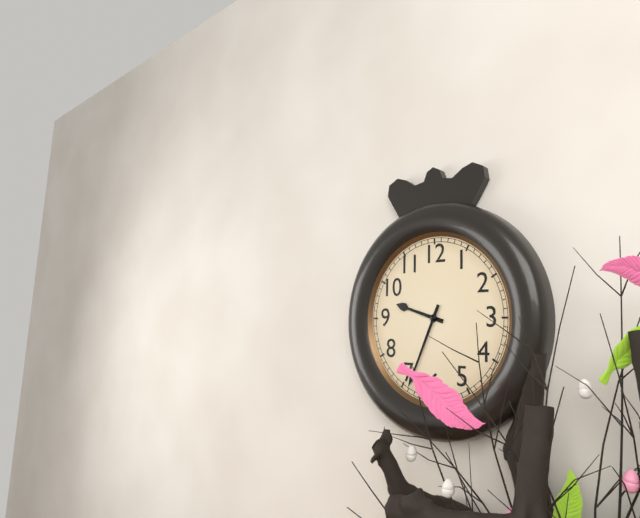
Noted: {"hour": 9, "minute": 34}
